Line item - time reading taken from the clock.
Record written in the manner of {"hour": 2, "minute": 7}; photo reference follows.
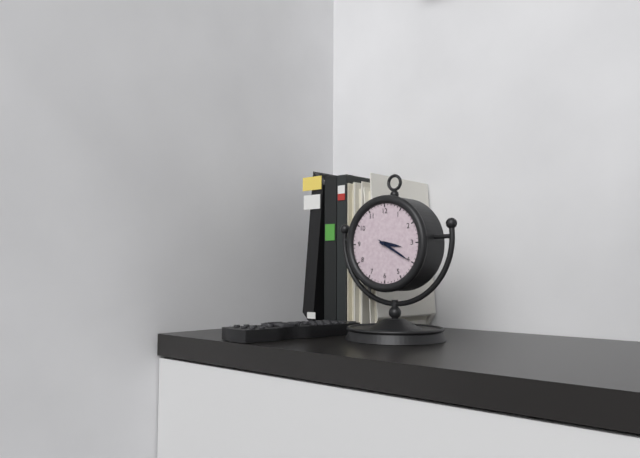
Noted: {"hour": 3, "minute": 20}
